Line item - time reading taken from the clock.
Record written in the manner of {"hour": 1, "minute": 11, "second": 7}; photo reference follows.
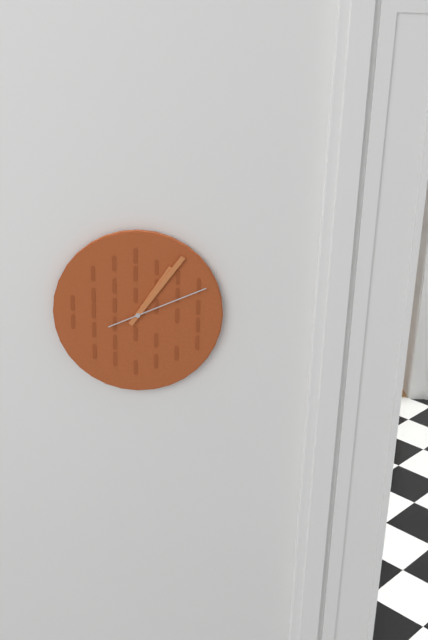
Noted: {"hour": 1, "minute": 6, "second": 11}
